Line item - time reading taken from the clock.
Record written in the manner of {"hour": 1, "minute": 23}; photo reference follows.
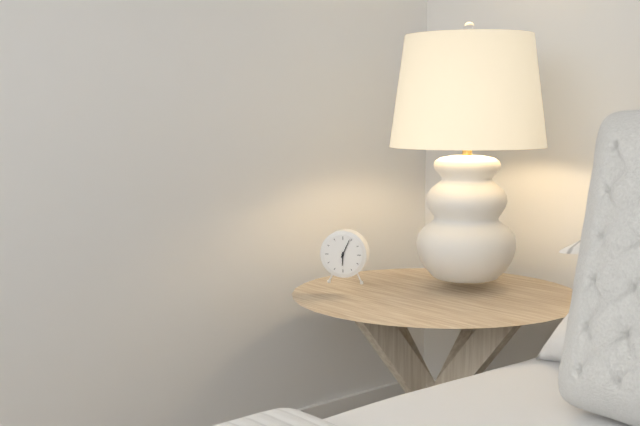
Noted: {"hour": 6, "minute": 4}
